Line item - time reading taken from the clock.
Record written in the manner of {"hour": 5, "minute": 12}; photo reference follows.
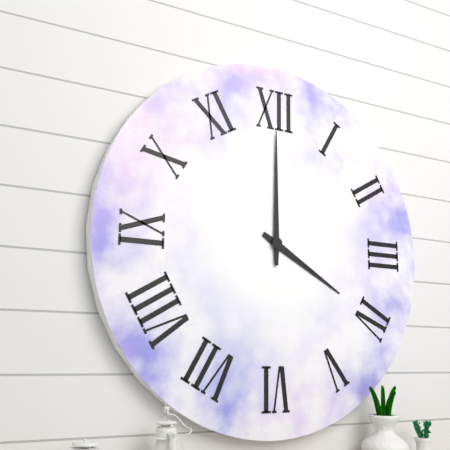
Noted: {"hour": 4, "minute": 0}
